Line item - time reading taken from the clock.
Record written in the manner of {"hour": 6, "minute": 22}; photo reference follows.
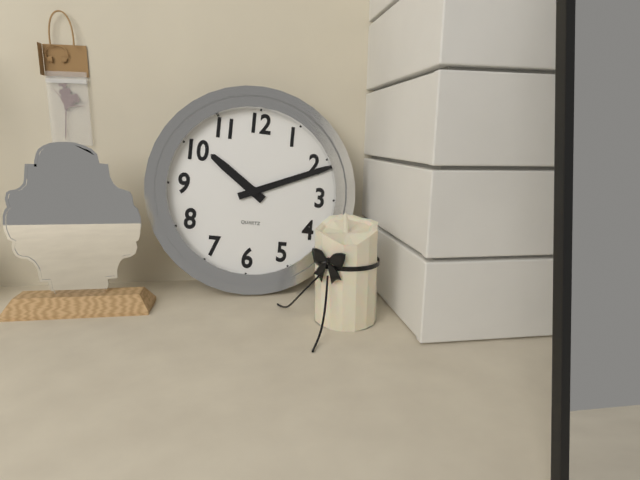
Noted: {"hour": 10, "minute": 11}
